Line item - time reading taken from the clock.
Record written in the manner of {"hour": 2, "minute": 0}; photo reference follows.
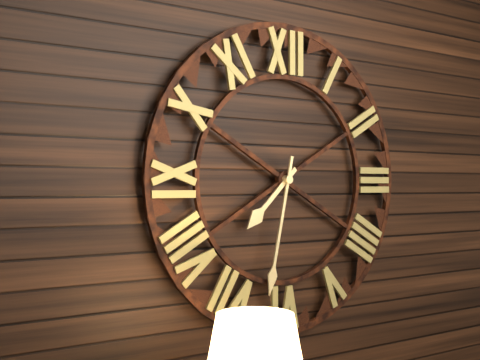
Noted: {"hour": 7, "minute": 32}
